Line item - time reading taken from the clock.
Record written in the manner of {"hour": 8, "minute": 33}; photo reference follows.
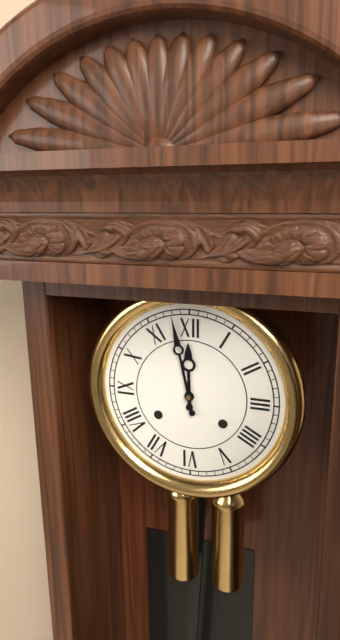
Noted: {"hour": 11, "minute": 58}
